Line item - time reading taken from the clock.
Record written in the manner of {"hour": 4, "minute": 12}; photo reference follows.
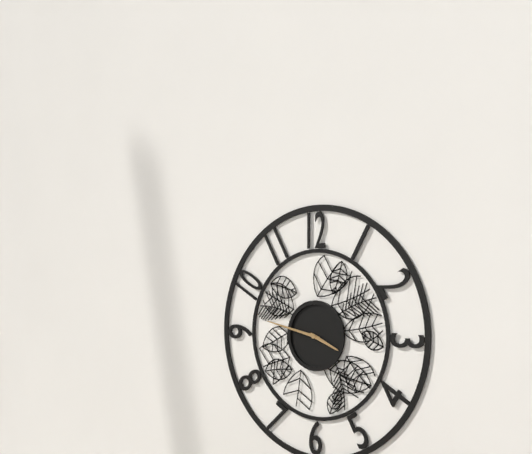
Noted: {"hour": 3, "minute": 47}
